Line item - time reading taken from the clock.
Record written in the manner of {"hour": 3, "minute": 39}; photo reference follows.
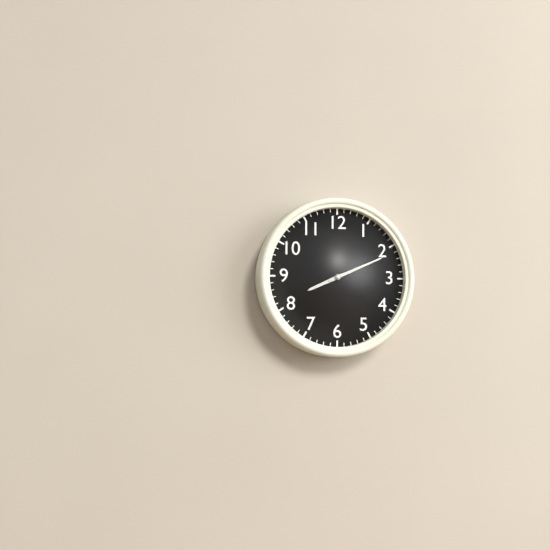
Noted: {"hour": 8, "minute": 11}
